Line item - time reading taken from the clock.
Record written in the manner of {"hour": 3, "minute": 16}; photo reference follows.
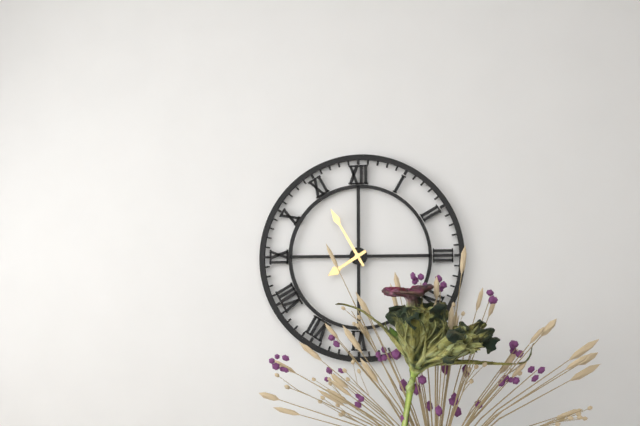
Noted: {"hour": 7, "minute": 55}
